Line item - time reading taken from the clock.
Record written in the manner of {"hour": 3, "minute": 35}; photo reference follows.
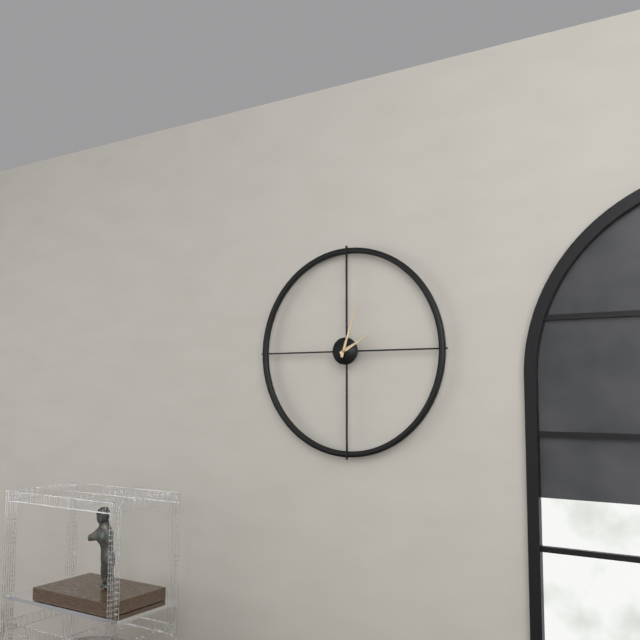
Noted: {"hour": 2, "minute": 3}
